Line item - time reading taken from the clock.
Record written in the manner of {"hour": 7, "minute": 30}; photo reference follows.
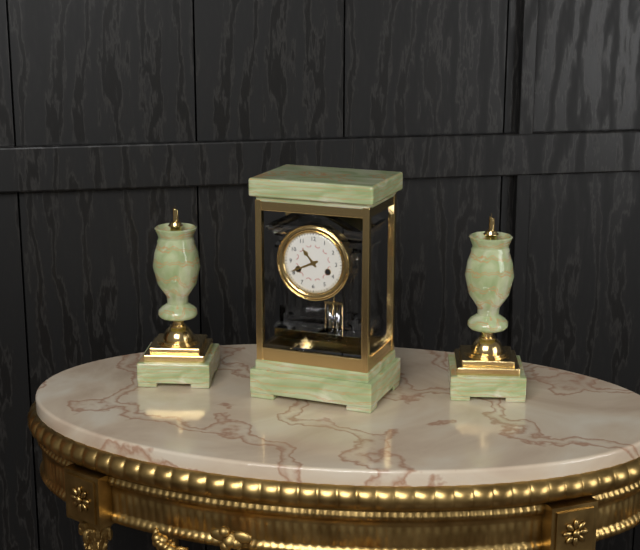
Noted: {"hour": 10, "minute": 41}
